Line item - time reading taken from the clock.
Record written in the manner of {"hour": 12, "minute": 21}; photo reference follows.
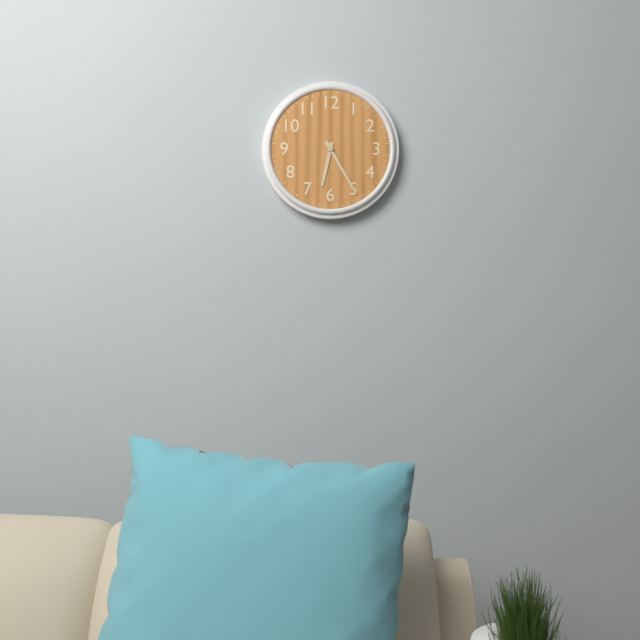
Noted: {"hour": 6, "minute": 25}
